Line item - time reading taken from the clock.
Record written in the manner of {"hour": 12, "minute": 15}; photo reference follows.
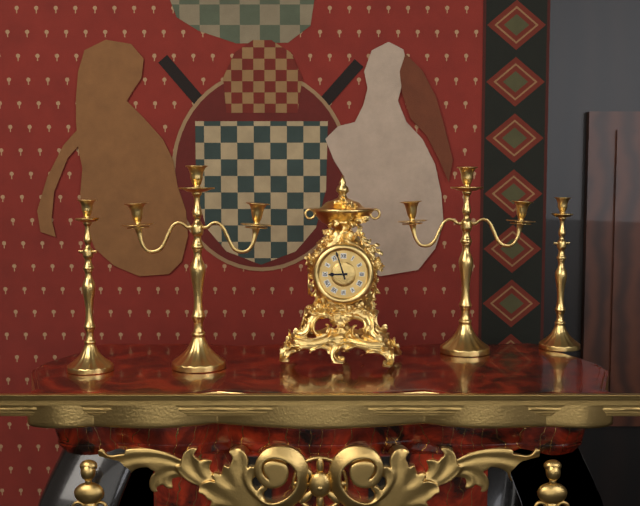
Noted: {"hour": 8, "minute": 57}
